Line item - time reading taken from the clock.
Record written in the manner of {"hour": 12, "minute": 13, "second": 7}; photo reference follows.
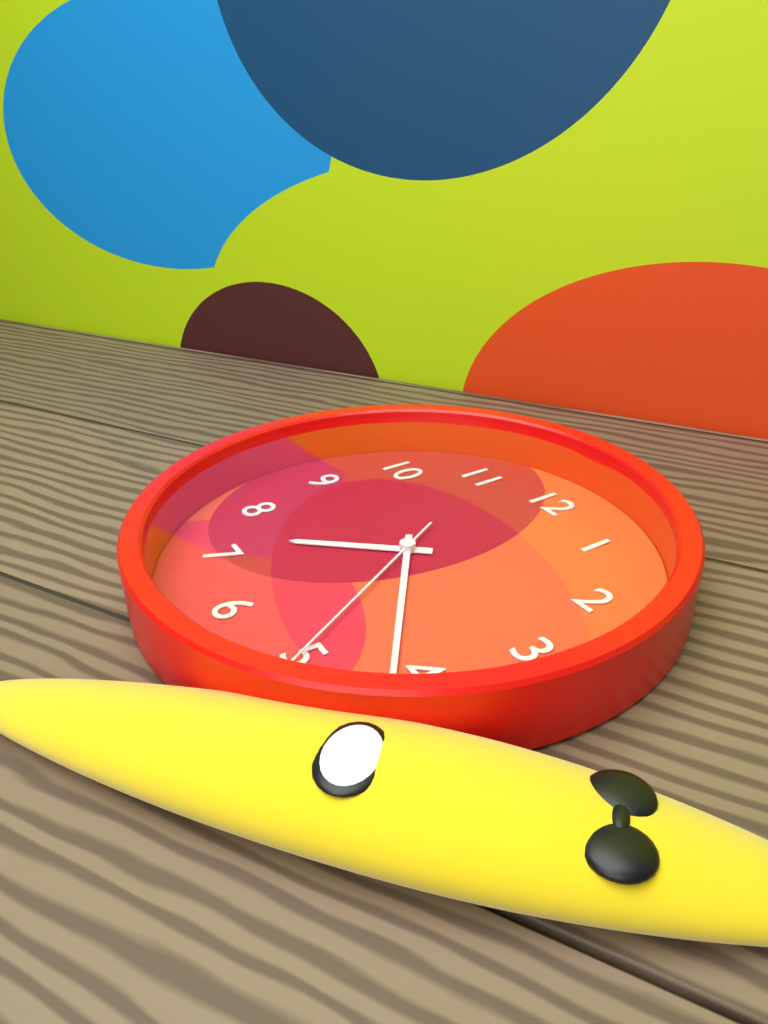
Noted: {"hour": 7, "minute": 21, "second": 25}
